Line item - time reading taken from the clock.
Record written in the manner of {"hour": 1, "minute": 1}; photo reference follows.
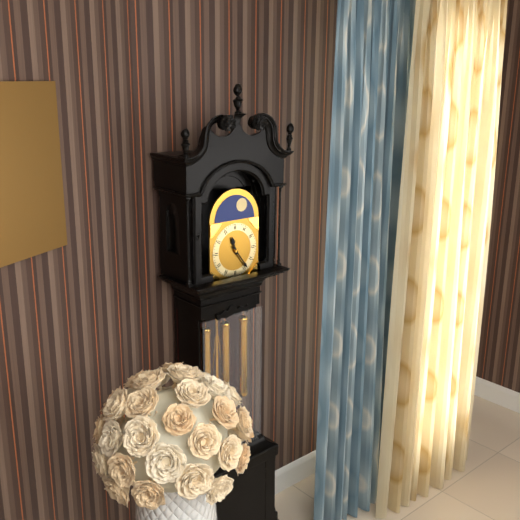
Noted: {"hour": 11, "minute": 24}
